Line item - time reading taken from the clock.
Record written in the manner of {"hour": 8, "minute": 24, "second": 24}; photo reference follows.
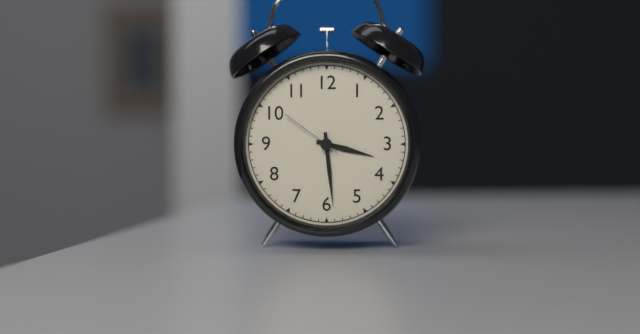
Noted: {"hour": 3, "minute": 29, "second": 51}
